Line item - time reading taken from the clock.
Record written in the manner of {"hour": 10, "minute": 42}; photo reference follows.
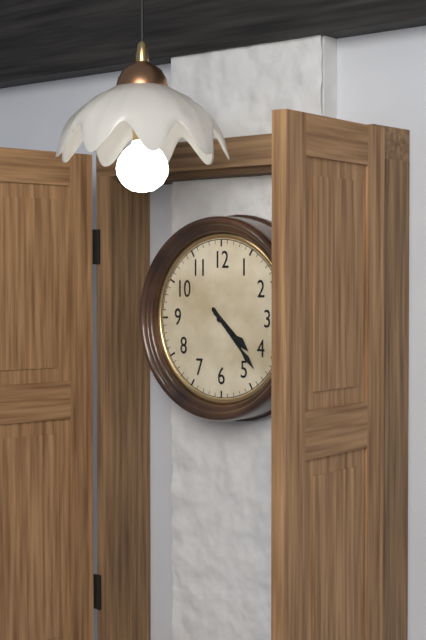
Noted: {"hour": 4, "minute": 23}
